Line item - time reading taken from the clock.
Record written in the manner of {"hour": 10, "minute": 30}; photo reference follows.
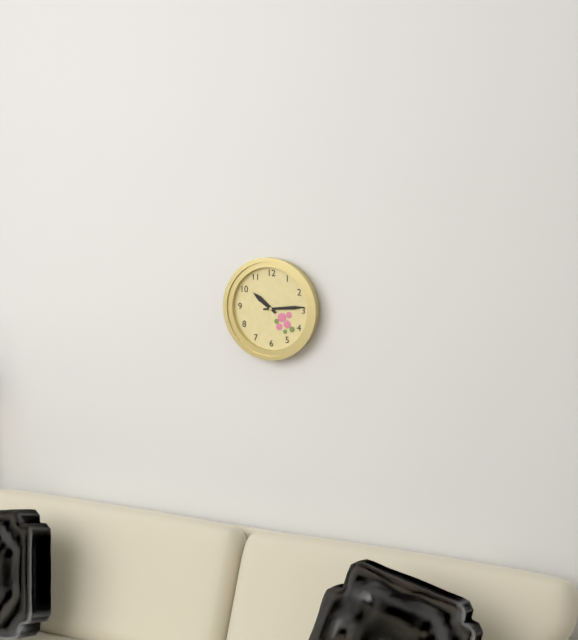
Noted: {"hour": 10, "minute": 14}
